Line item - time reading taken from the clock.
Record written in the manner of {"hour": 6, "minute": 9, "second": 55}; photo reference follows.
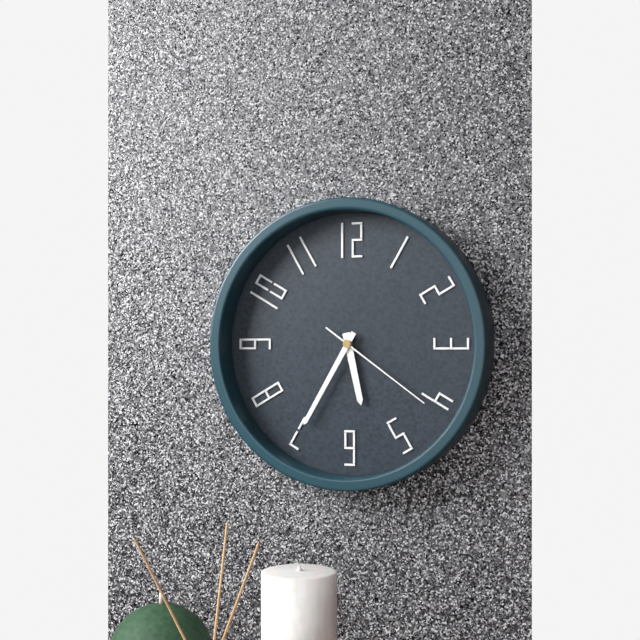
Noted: {"hour": 5, "minute": 35, "second": 21}
